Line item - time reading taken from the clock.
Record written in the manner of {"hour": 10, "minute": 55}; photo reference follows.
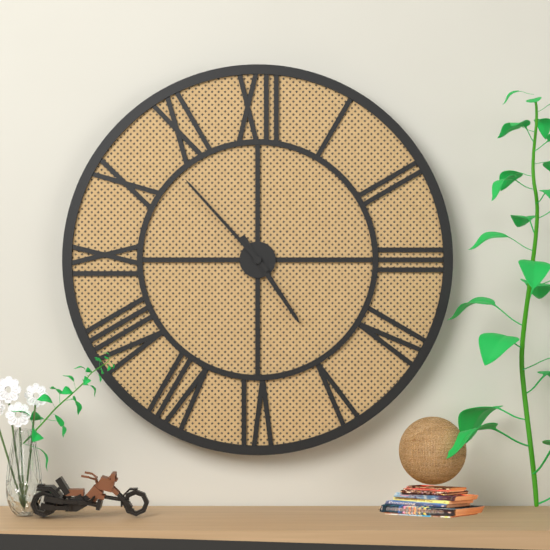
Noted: {"hour": 4, "minute": 53}
